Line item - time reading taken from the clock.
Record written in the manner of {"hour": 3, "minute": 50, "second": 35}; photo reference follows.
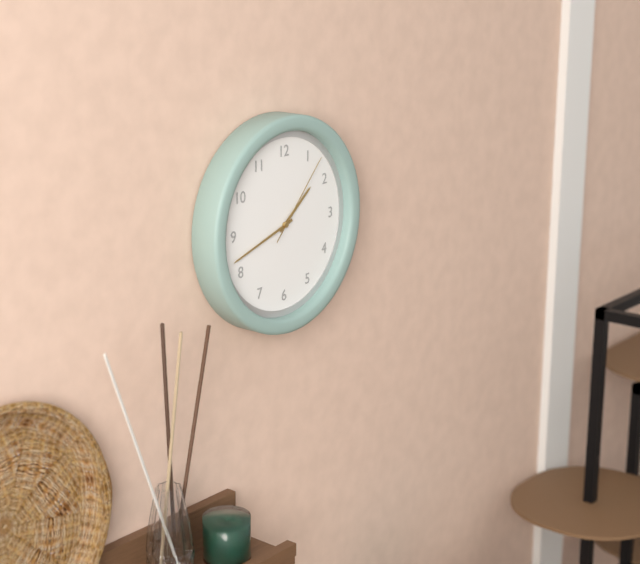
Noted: {"hour": 1, "minute": 42, "second": 7}
